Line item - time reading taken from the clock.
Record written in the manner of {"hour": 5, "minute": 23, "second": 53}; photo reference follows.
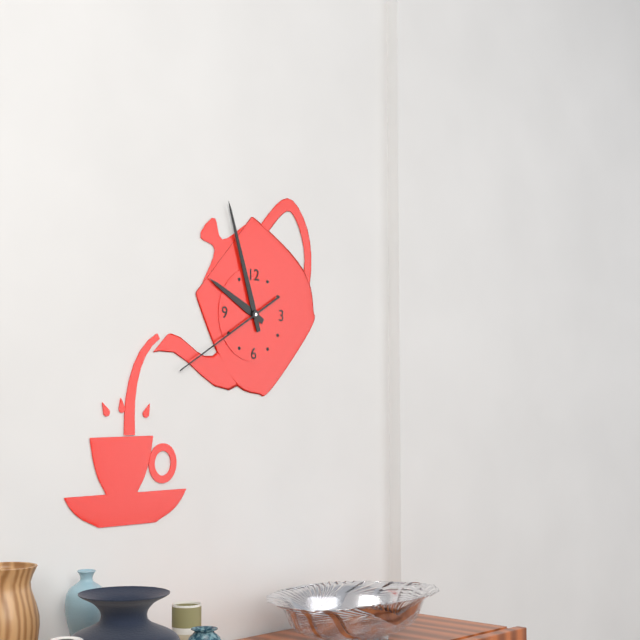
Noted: {"hour": 9, "minute": 57, "second": 40}
